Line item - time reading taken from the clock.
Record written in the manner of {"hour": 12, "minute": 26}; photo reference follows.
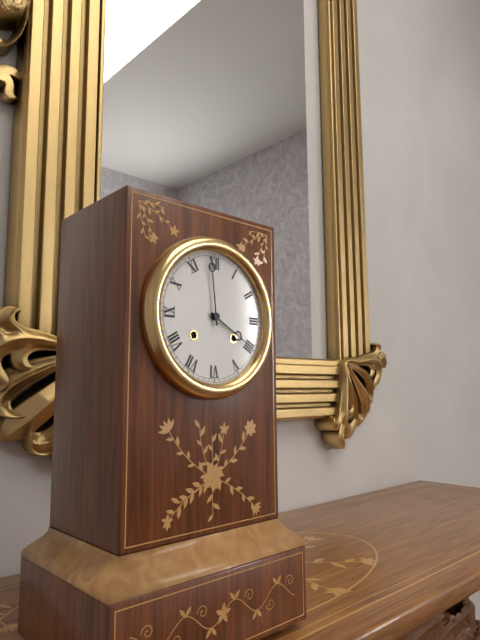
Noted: {"hour": 3, "minute": 59}
